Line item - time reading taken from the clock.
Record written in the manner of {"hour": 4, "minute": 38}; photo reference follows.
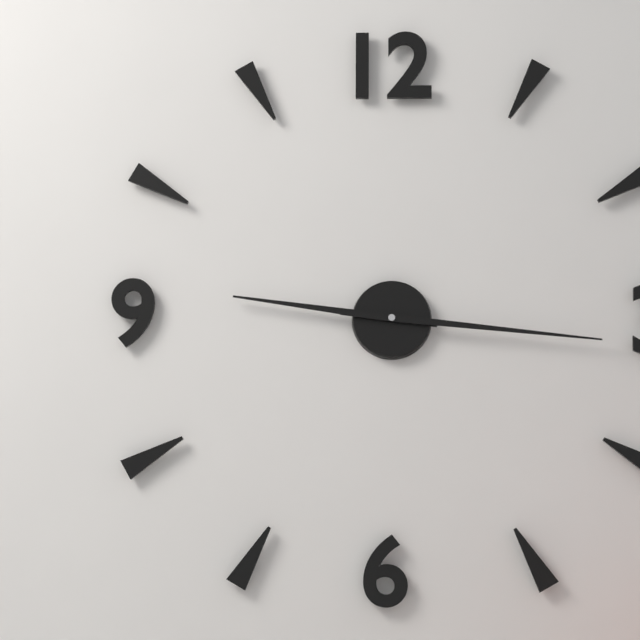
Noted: {"hour": 9, "minute": 16}
